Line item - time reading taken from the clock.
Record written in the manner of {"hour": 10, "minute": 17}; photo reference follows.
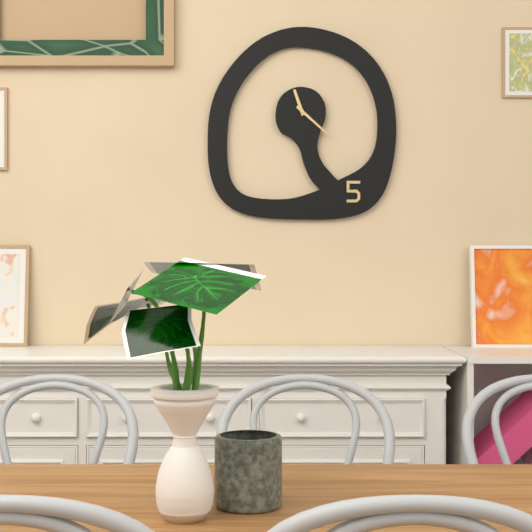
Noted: {"hour": 11, "minute": 22}
